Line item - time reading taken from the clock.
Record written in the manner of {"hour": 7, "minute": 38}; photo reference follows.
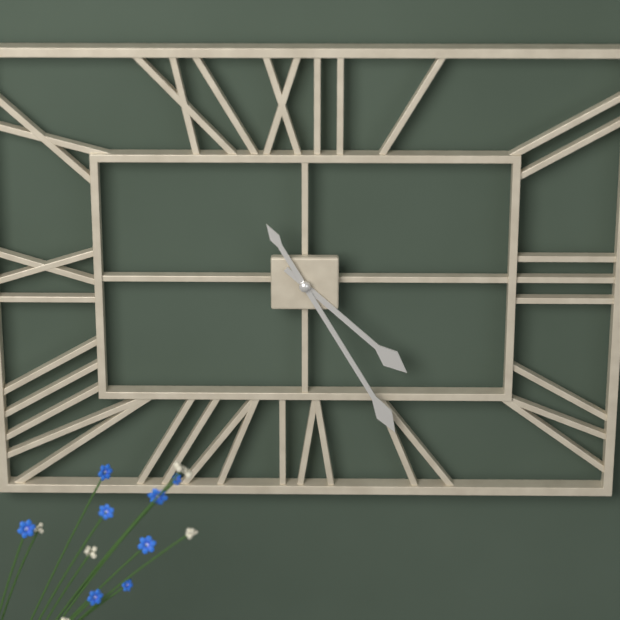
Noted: {"hour": 4, "minute": 25}
